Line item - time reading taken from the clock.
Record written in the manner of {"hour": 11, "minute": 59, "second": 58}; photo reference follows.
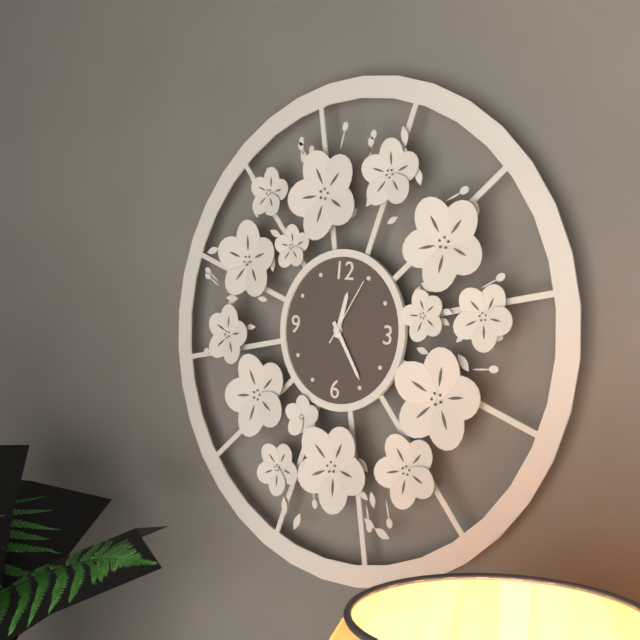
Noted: {"hour": 12, "minute": 24, "second": 5}
